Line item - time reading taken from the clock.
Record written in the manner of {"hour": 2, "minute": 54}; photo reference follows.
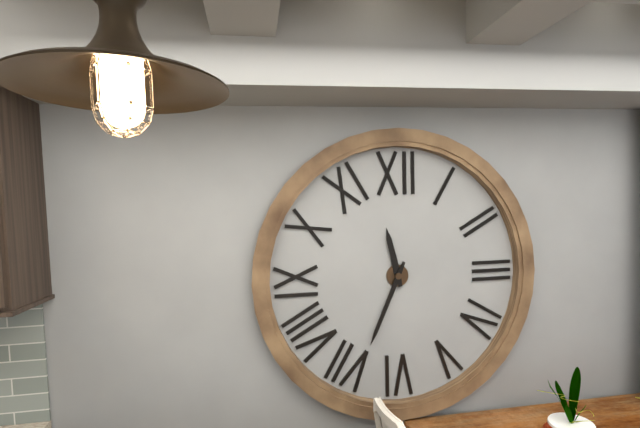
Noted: {"hour": 11, "minute": 34}
